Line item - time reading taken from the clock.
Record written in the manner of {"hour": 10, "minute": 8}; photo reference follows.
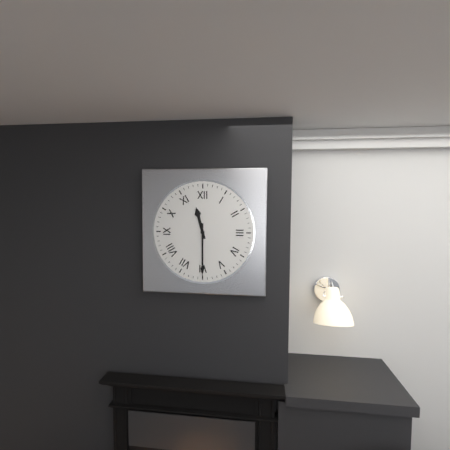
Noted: {"hour": 11, "minute": 30}
